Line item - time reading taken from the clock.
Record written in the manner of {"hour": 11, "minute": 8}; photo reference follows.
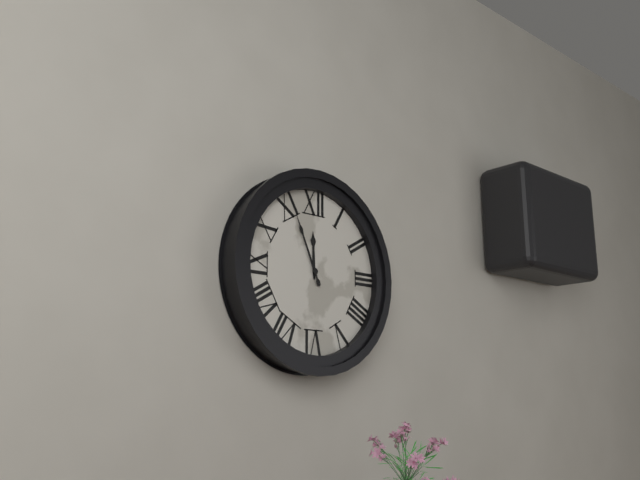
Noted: {"hour": 11, "minute": 56}
